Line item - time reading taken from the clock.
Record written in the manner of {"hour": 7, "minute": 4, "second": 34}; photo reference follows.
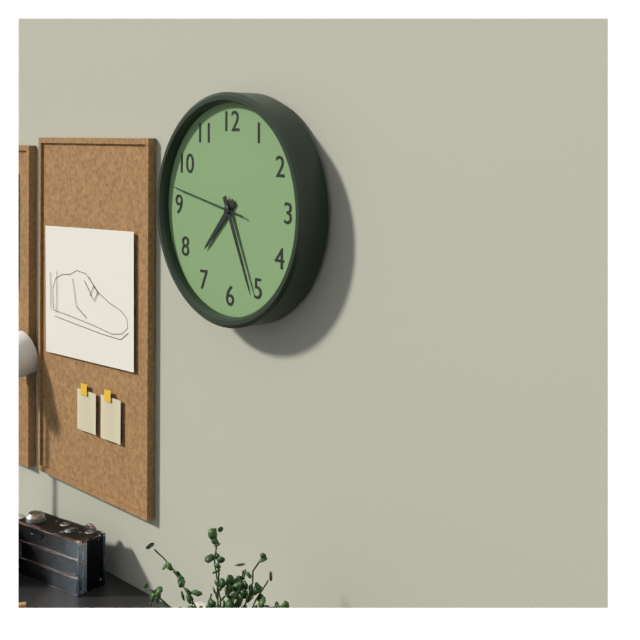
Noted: {"hour": 7, "minute": 26, "second": 47}
